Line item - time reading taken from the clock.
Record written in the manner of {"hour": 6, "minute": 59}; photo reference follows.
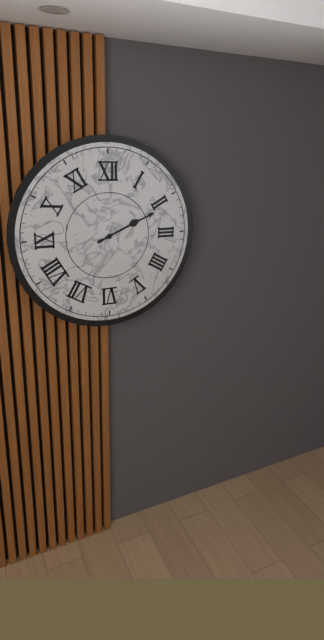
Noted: {"hour": 2, "minute": 11}
